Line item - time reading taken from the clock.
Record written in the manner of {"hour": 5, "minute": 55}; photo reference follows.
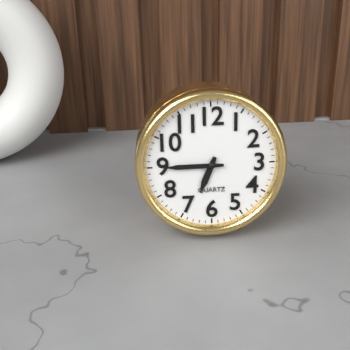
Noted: {"hour": 6, "minute": 45}
